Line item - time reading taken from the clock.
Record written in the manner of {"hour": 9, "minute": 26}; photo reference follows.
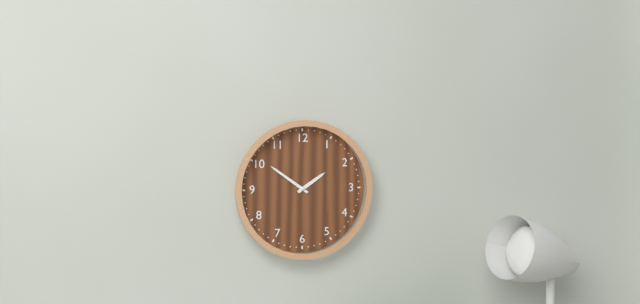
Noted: {"hour": 1, "minute": 51}
